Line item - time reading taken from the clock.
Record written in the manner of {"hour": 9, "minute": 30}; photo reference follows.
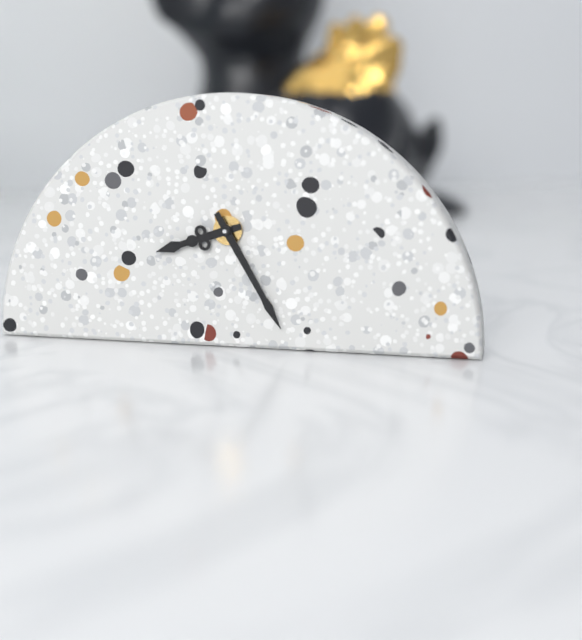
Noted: {"hour": 8, "minute": 25}
